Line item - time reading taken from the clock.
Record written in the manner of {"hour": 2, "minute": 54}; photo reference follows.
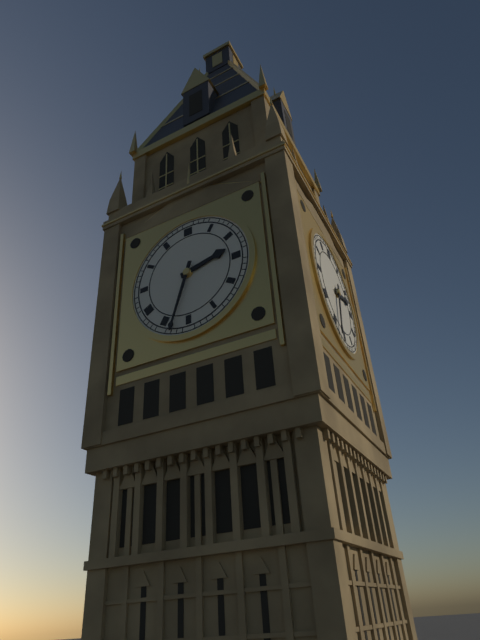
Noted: {"hour": 2, "minute": 33}
